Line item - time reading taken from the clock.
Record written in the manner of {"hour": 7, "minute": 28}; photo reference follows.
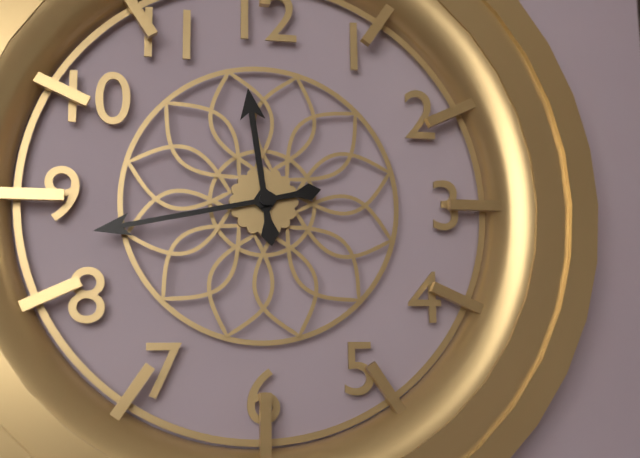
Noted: {"hour": 11, "minute": 43}
